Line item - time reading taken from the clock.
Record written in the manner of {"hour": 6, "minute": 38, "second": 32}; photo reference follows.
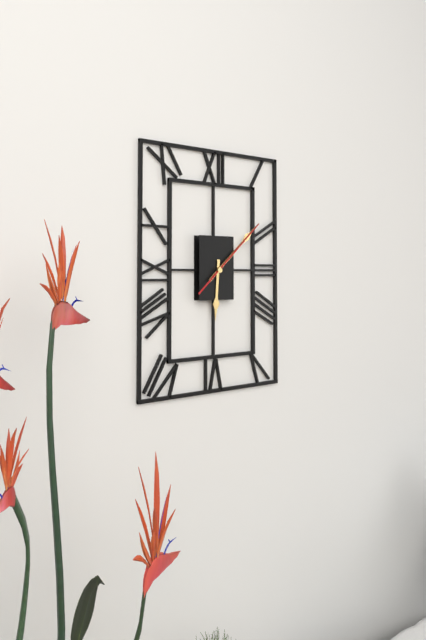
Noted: {"hour": 6, "minute": 8, "second": 8}
